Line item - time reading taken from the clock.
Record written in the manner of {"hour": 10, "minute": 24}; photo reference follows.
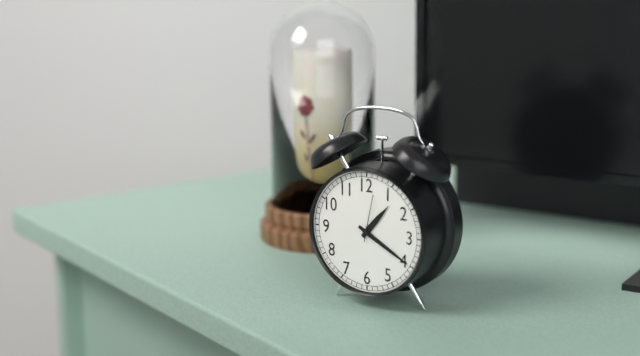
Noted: {"hour": 1, "minute": 20}
